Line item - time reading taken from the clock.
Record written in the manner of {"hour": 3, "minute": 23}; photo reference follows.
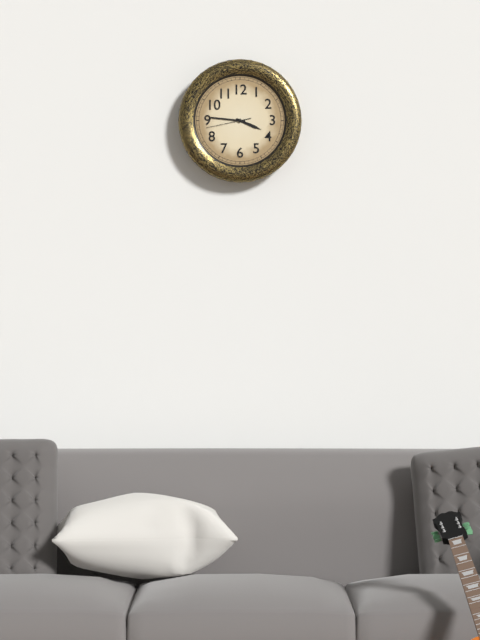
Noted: {"hour": 3, "minute": 46}
